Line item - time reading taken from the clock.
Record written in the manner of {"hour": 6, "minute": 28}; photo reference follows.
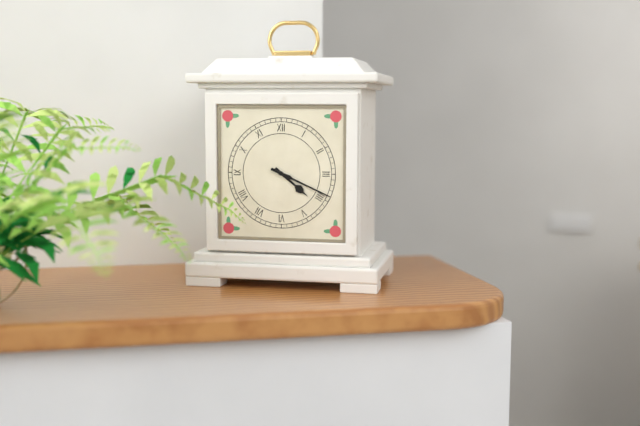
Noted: {"hour": 4, "minute": 19}
